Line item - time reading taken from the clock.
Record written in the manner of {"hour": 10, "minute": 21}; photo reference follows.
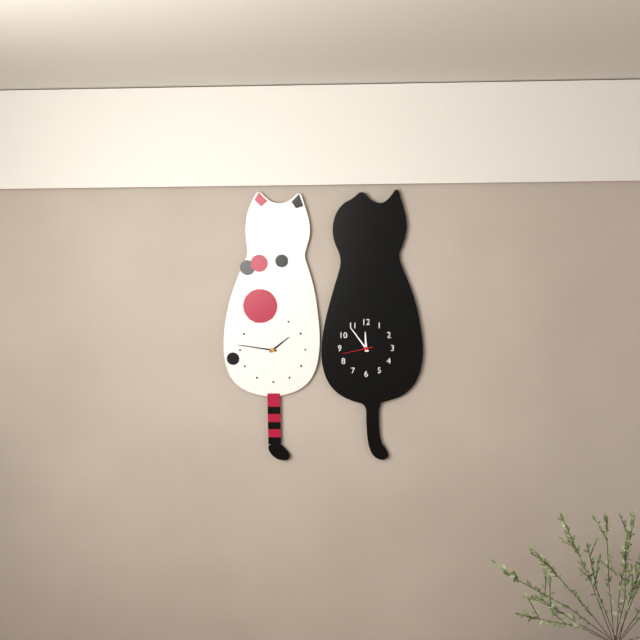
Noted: {"hour": 11, "minute": 54}
